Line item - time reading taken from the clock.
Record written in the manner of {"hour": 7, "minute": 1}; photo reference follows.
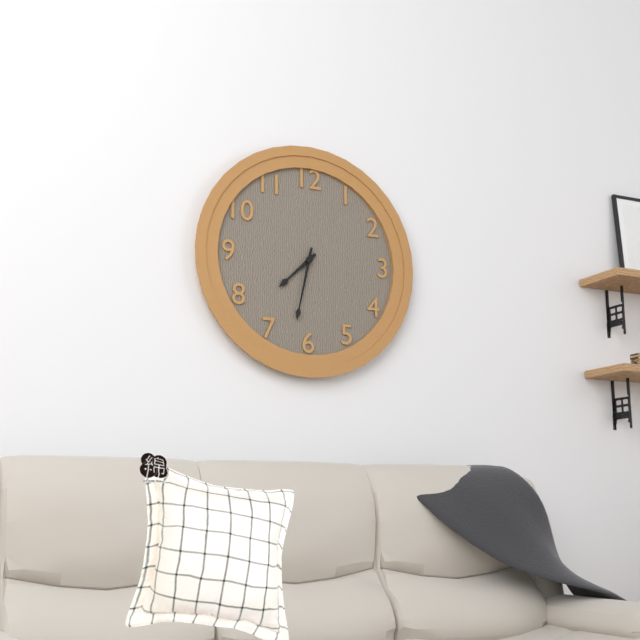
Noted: {"hour": 7, "minute": 32}
